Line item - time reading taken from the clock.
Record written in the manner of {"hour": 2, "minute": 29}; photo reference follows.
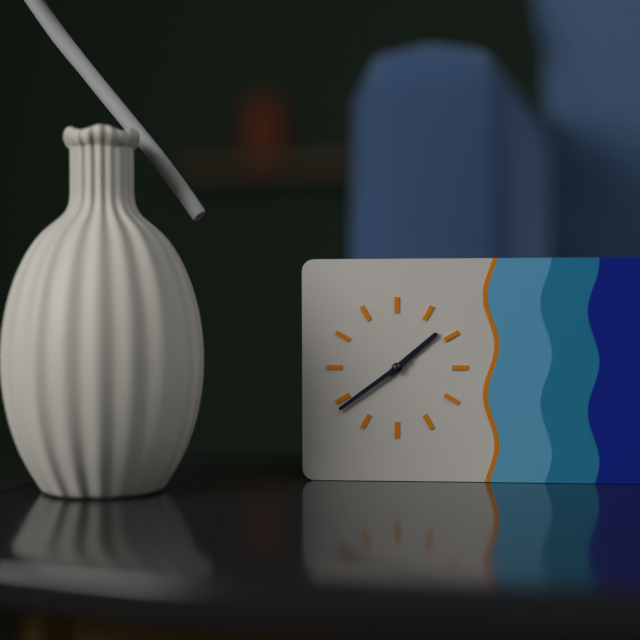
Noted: {"hour": 1, "minute": 39}
